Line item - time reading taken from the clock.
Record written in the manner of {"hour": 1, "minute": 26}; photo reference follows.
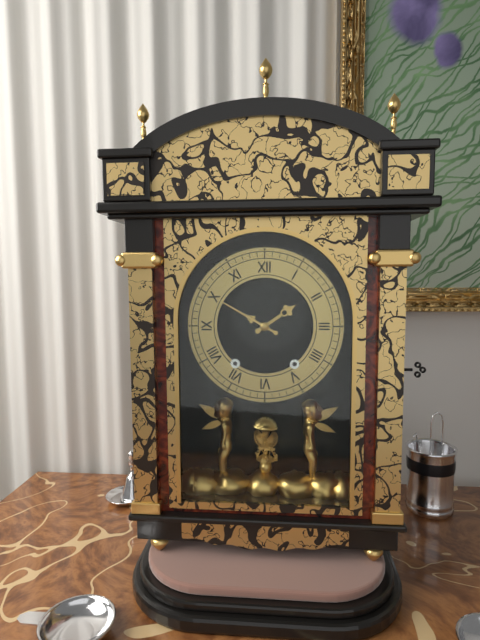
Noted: {"hour": 1, "minute": 50}
